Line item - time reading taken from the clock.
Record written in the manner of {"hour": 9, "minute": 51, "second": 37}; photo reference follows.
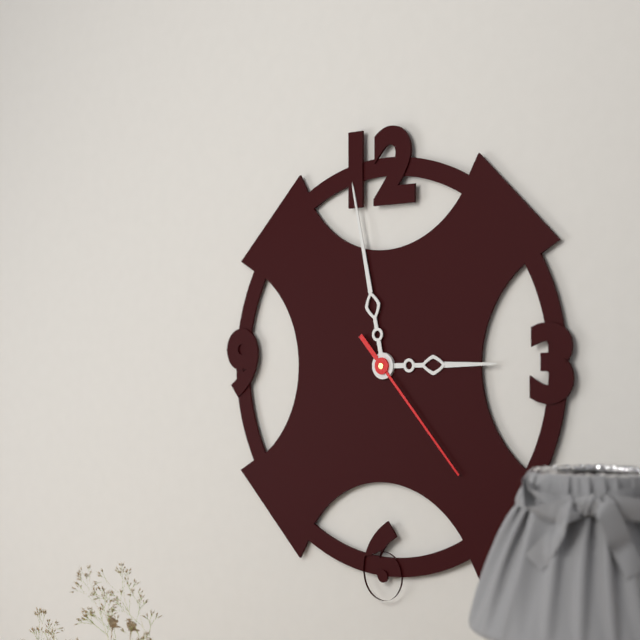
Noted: {"hour": 2, "minute": 58, "second": 23}
